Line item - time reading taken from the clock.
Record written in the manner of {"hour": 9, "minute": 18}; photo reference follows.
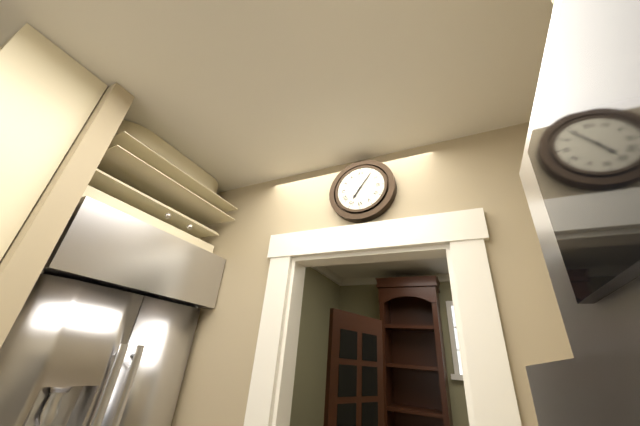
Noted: {"hour": 7, "minute": 6}
